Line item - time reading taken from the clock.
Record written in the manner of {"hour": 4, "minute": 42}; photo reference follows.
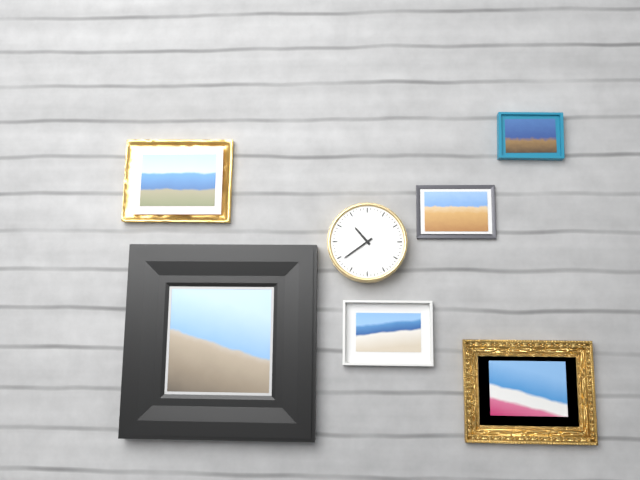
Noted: {"hour": 10, "minute": 39}
